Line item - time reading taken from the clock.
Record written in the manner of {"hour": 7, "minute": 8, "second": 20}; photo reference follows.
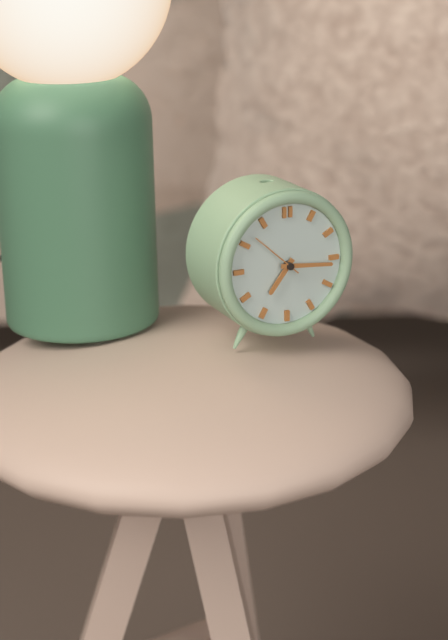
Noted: {"hour": 7, "minute": 16, "second": 52}
